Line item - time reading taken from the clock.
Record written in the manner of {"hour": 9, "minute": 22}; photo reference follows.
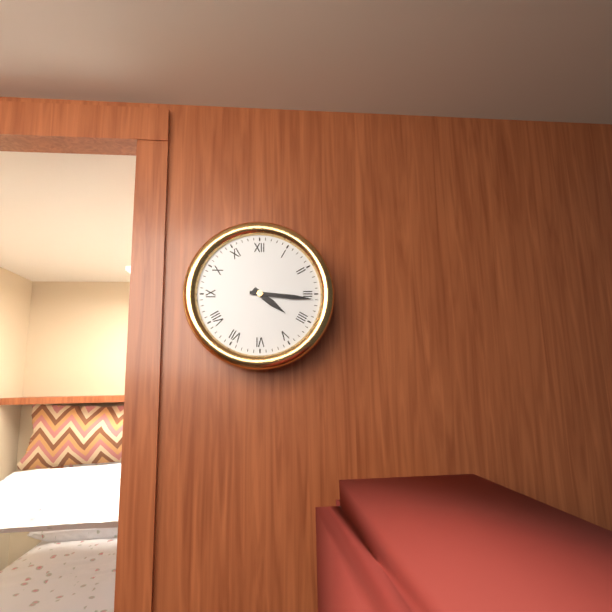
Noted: {"hour": 4, "minute": 16}
